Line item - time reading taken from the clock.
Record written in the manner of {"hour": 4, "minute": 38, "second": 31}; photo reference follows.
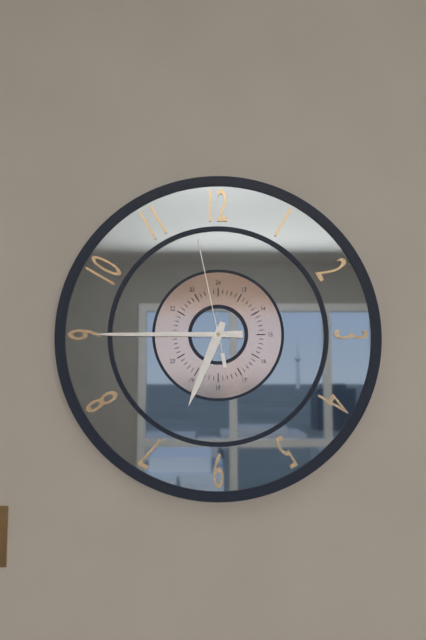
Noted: {"hour": 6, "minute": 45, "second": 58}
